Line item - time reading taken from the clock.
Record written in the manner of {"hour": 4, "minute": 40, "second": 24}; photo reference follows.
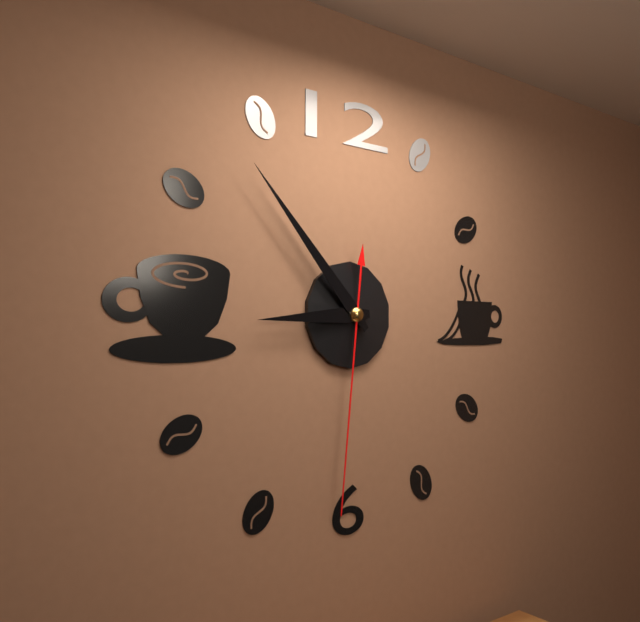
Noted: {"hour": 8, "minute": 53, "second": 31}
